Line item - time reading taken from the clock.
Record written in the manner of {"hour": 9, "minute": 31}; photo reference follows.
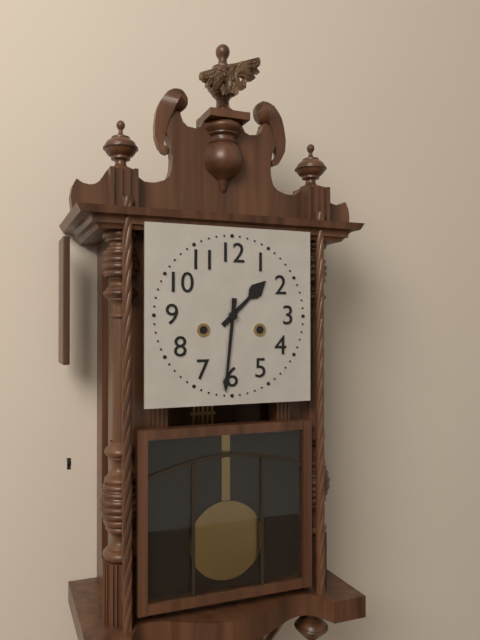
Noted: {"hour": 1, "minute": 31}
